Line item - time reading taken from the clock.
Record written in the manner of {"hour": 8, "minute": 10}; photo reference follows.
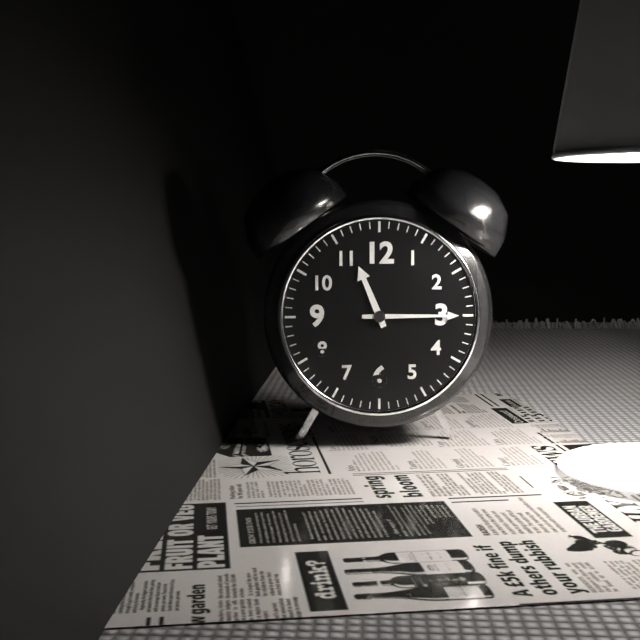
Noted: {"hour": 11, "minute": 15}
